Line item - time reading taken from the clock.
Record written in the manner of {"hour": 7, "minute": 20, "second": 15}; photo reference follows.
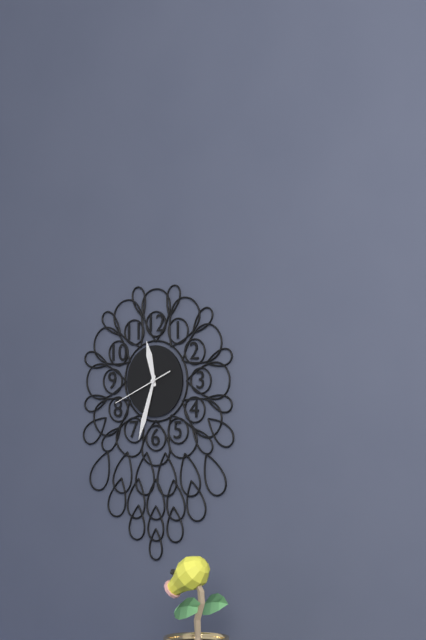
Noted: {"hour": 11, "minute": 33, "second": 41}
